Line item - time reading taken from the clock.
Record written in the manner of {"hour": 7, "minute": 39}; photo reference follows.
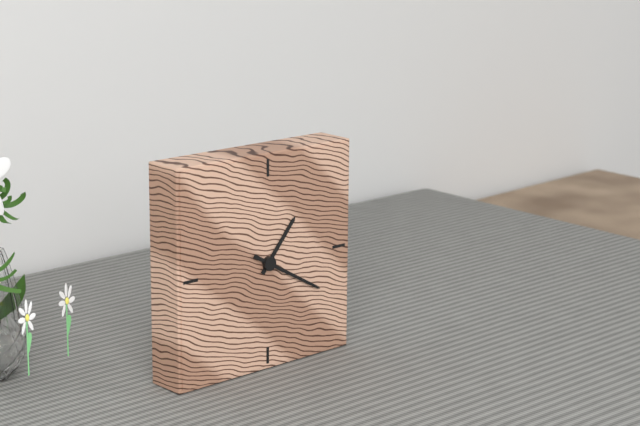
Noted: {"hour": 1, "minute": 20}
